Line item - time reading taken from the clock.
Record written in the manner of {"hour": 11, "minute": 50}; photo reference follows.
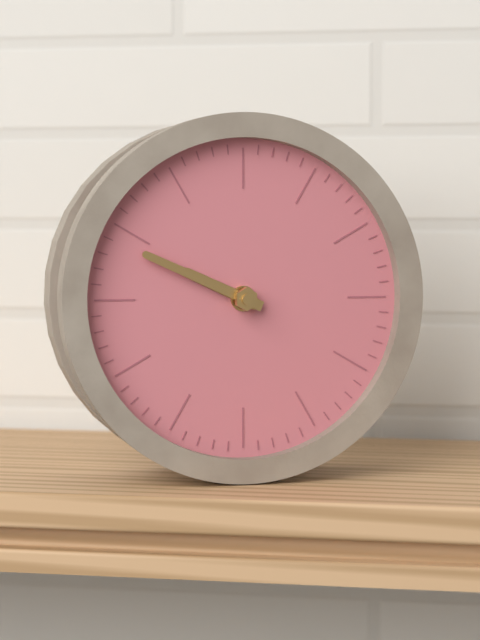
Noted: {"hour": 9, "minute": 49}
